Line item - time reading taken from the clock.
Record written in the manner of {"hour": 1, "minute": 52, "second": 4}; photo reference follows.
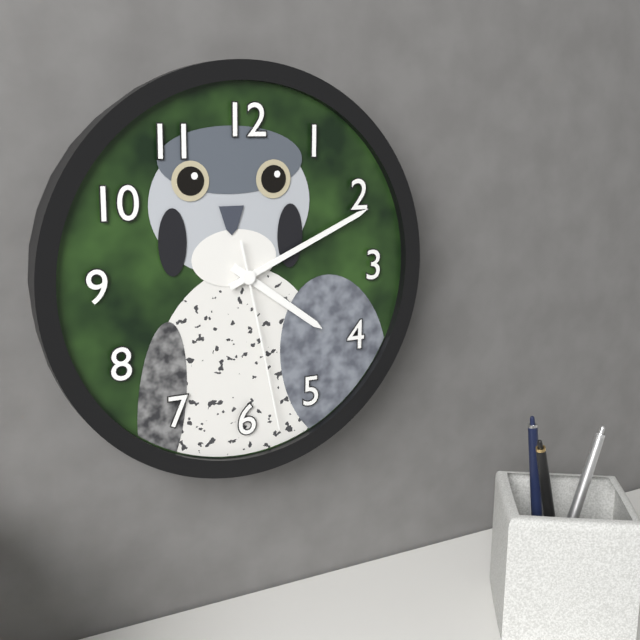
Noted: {"hour": 4, "minute": 11, "second": 28}
